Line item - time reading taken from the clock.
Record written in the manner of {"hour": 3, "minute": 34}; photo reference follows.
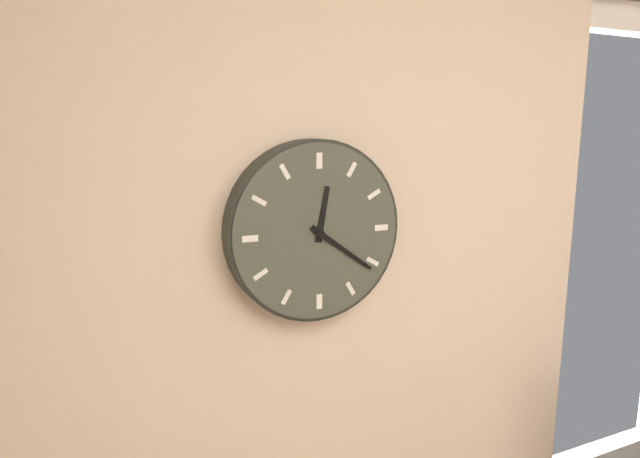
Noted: {"hour": 12, "minute": 21}
